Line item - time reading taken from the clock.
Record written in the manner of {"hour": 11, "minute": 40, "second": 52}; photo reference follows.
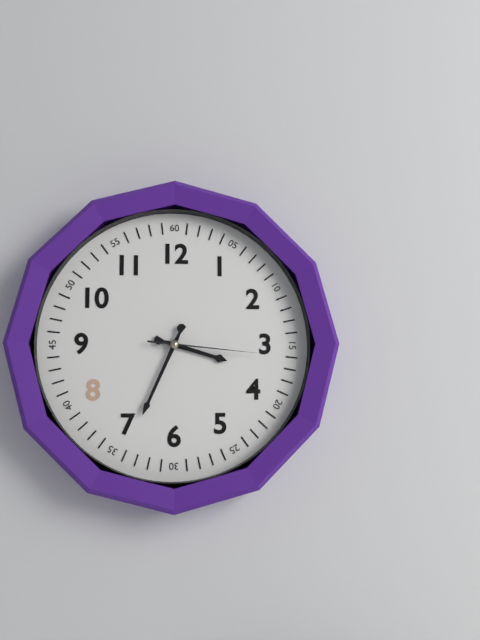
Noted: {"hour": 3, "minute": 34, "second": 16}
